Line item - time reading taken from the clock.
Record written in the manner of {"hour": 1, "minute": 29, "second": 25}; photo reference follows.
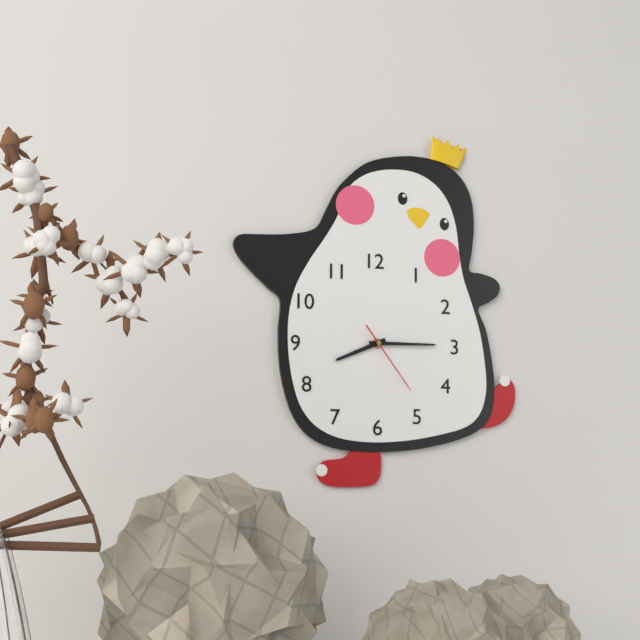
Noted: {"hour": 8, "minute": 15, "second": 24}
